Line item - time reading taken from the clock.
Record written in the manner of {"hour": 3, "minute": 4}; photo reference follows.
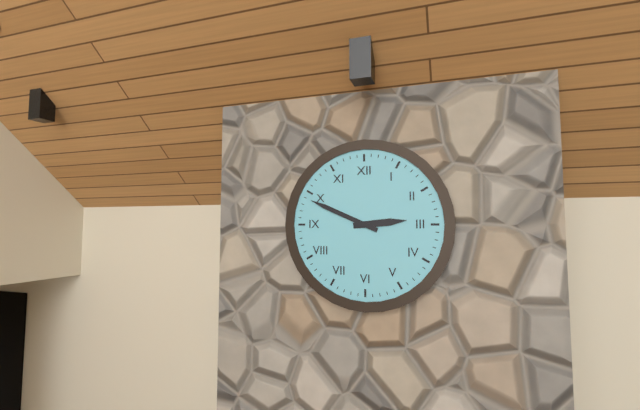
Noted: {"hour": 2, "minute": 49}
